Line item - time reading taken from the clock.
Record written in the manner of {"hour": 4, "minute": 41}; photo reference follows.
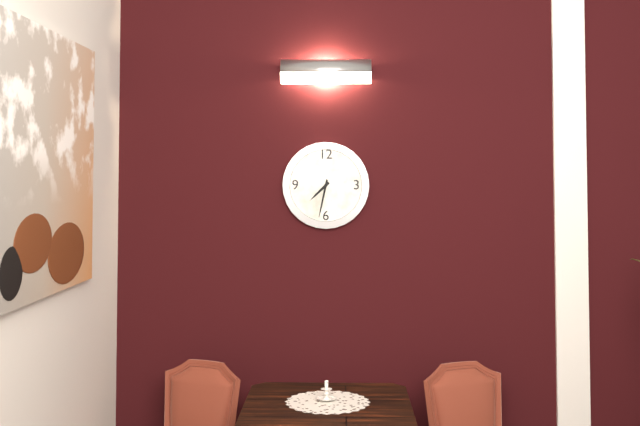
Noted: {"hour": 7, "minute": 32}
